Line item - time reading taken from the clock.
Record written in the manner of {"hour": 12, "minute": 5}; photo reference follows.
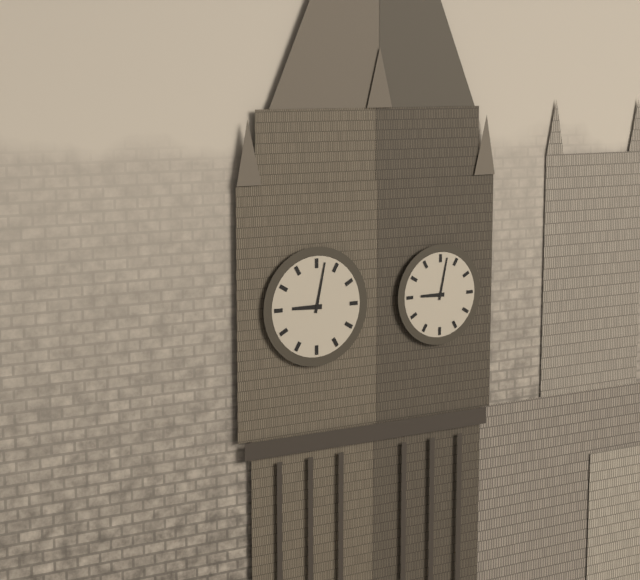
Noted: {"hour": 9, "minute": 2}
